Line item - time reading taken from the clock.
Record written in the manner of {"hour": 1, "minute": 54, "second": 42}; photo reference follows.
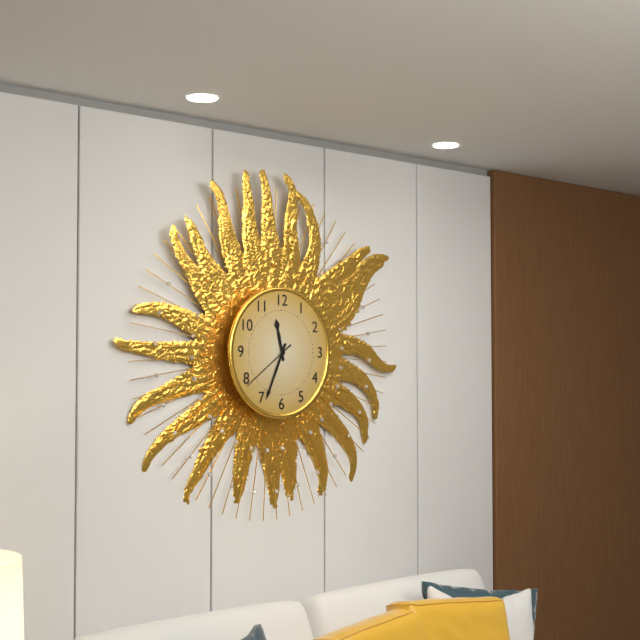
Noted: {"hour": 11, "minute": 34, "second": 39}
